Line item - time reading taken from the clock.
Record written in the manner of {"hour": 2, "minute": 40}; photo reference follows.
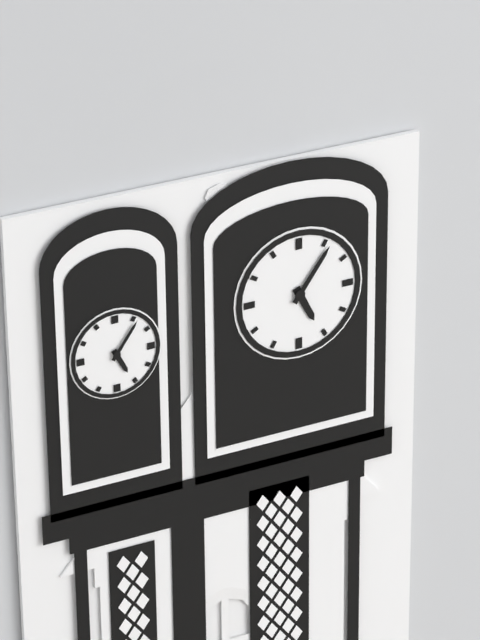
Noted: {"hour": 5, "minute": 6}
